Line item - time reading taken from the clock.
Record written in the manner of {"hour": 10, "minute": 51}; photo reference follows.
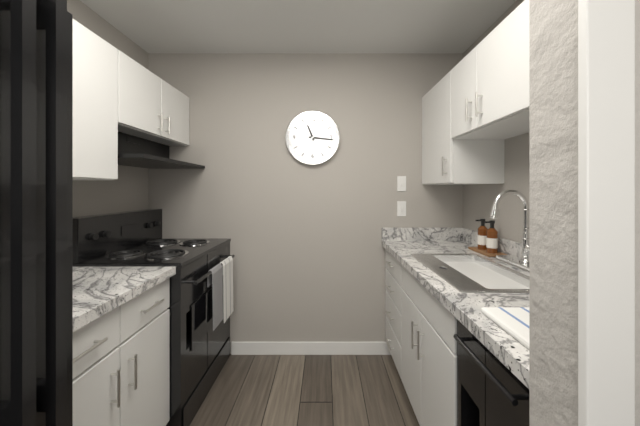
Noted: {"hour": 11, "minute": 16}
